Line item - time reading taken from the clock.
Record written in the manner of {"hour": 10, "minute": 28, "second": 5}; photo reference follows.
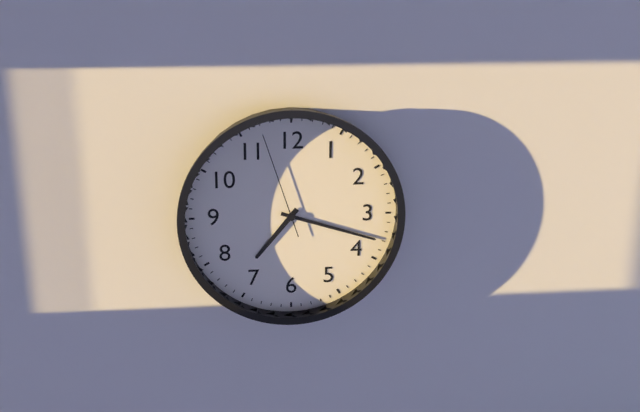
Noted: {"hour": 7, "minute": 18, "second": 57}
